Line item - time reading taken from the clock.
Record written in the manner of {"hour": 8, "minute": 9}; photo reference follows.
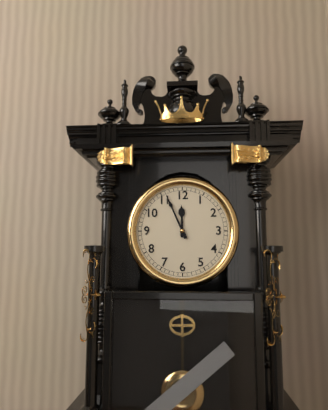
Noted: {"hour": 11, "minute": 56}
